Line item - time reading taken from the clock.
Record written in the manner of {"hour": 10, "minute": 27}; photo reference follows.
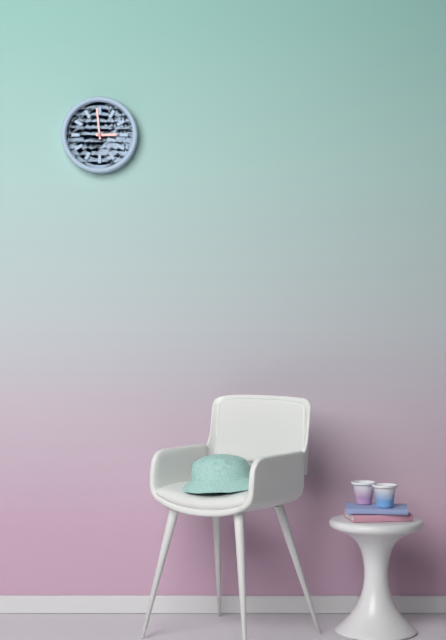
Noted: {"hour": 2, "minute": 59}
